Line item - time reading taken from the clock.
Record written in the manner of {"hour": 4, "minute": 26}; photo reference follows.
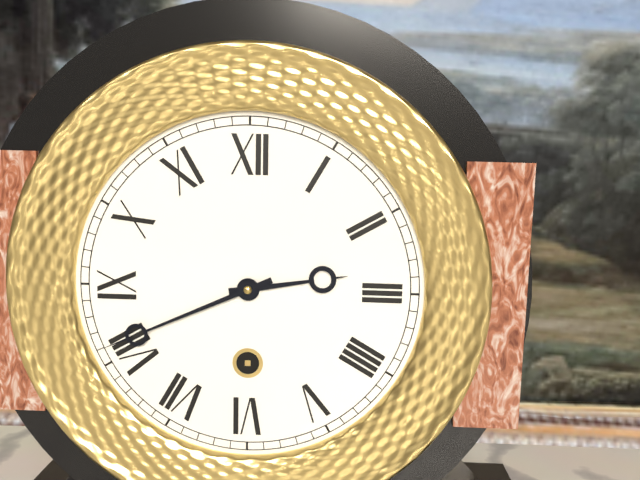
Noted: {"hour": 2, "minute": 41}
